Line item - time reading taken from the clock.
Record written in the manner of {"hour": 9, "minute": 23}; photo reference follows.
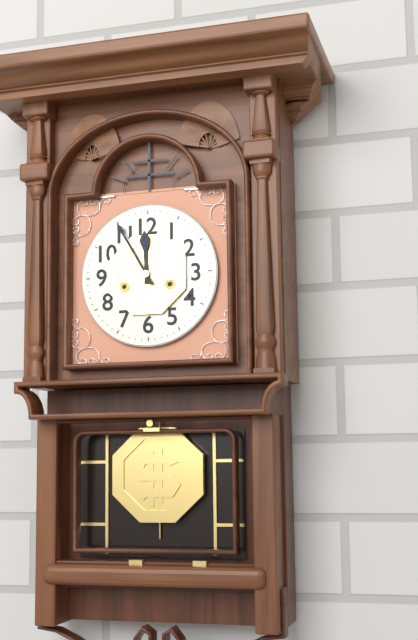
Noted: {"hour": 11, "minute": 55}
